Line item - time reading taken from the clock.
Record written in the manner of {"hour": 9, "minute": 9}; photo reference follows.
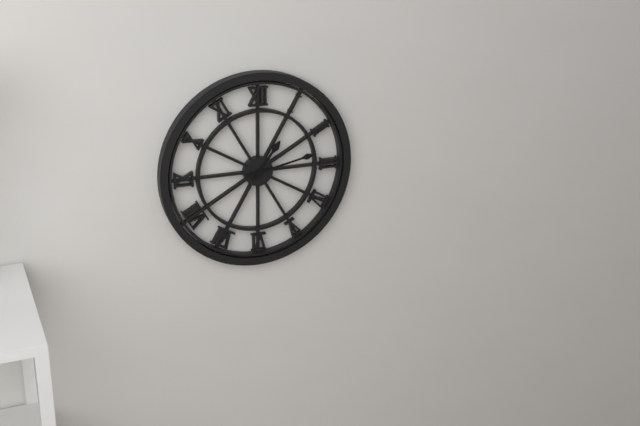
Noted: {"hour": 1, "minute": 13}
